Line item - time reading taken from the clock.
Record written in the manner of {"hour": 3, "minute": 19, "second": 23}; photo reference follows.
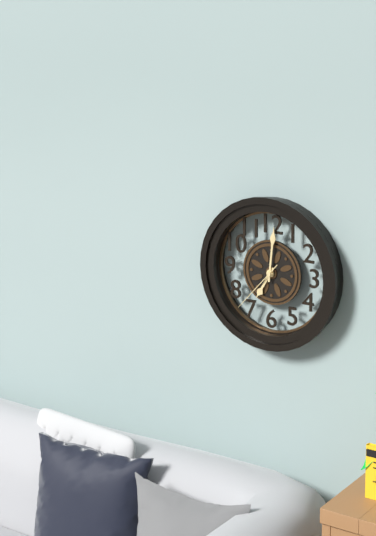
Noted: {"hour": 7, "minute": 1, "second": 37}
